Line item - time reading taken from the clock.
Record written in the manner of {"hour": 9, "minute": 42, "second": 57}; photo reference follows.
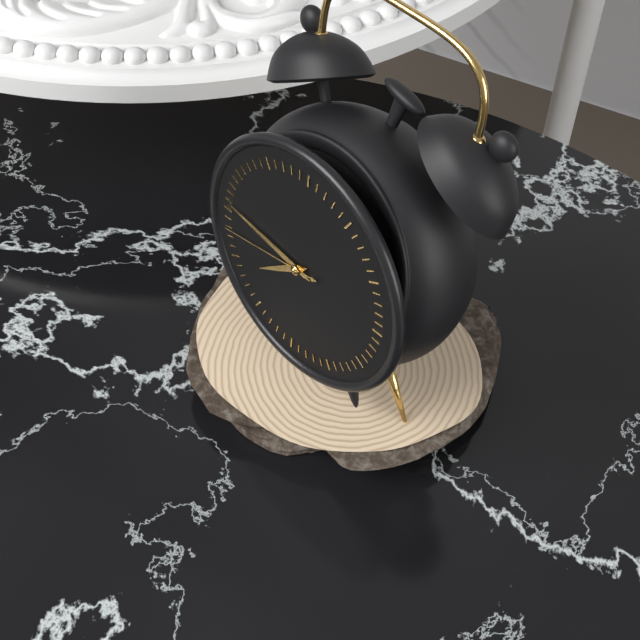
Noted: {"hour": 7, "minute": 46, "second": 43}
